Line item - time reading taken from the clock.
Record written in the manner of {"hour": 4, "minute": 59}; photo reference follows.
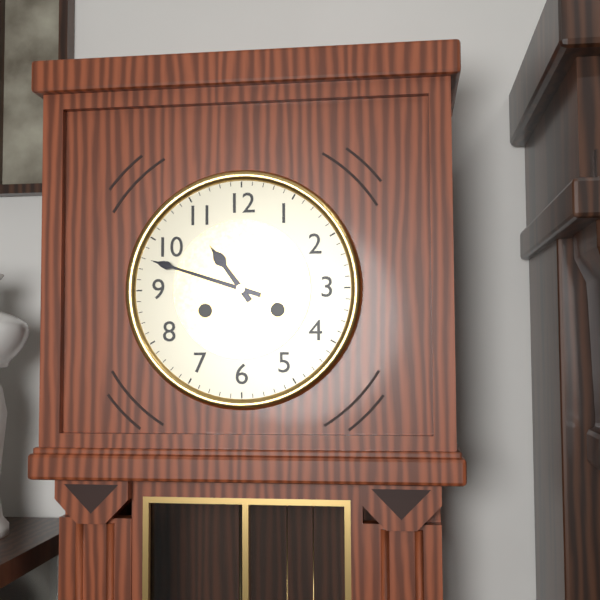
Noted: {"hour": 10, "minute": 48}
